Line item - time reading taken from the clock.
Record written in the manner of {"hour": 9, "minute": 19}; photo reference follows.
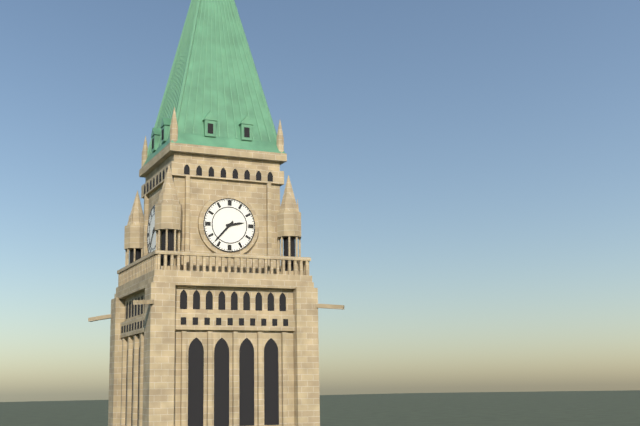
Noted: {"hour": 2, "minute": 37}
